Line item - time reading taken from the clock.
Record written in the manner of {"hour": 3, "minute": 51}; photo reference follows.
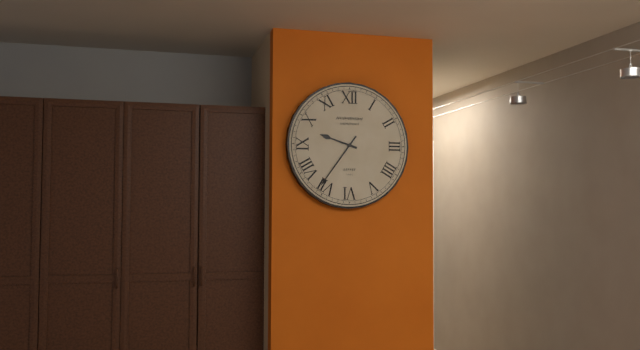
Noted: {"hour": 9, "minute": 36}
